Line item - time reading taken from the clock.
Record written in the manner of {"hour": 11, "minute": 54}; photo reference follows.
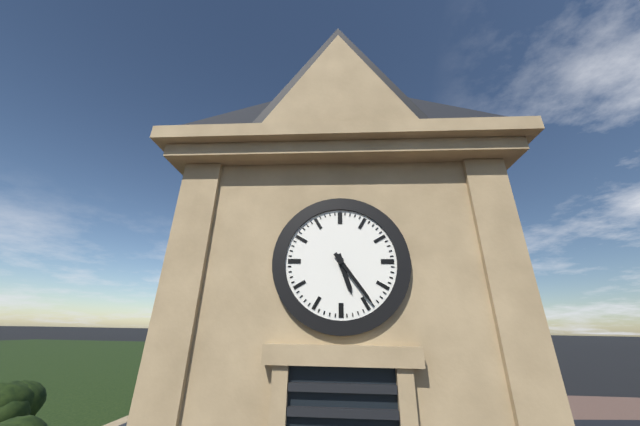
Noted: {"hour": 5, "minute": 24}
